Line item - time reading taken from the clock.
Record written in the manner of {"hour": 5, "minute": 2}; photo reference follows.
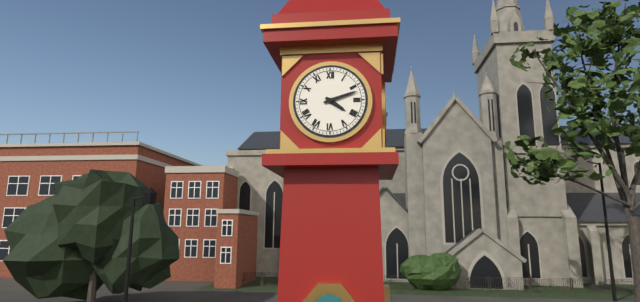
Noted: {"hour": 4, "minute": 12}
